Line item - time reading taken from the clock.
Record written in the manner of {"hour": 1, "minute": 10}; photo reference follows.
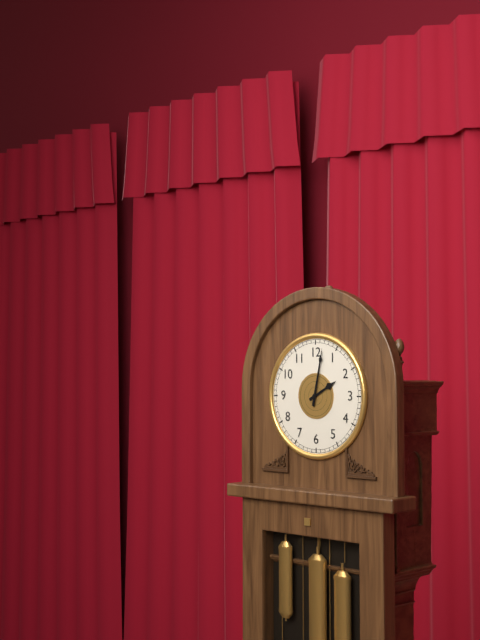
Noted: {"hour": 2, "minute": 2}
